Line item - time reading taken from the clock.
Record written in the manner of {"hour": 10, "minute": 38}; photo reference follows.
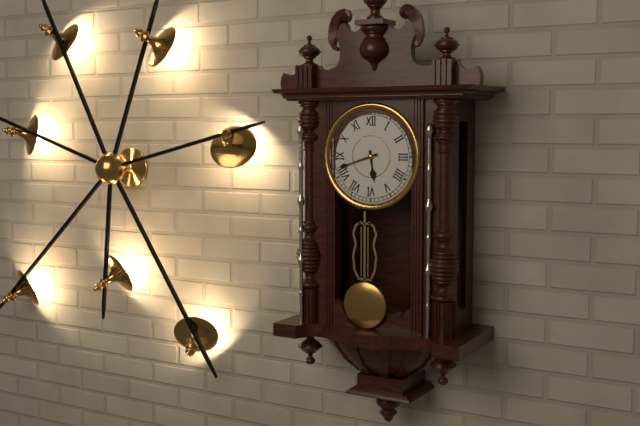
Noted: {"hour": 5, "minute": 42}
